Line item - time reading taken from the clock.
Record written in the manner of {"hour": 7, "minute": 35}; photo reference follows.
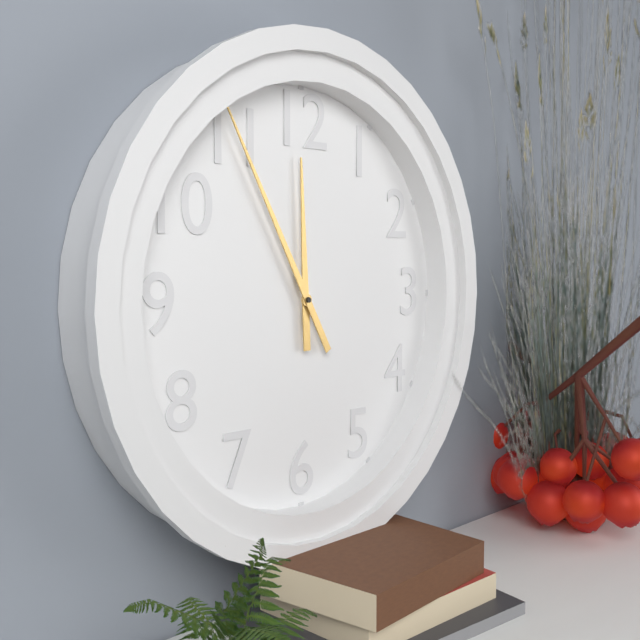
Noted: {"hour": 11, "minute": 55}
